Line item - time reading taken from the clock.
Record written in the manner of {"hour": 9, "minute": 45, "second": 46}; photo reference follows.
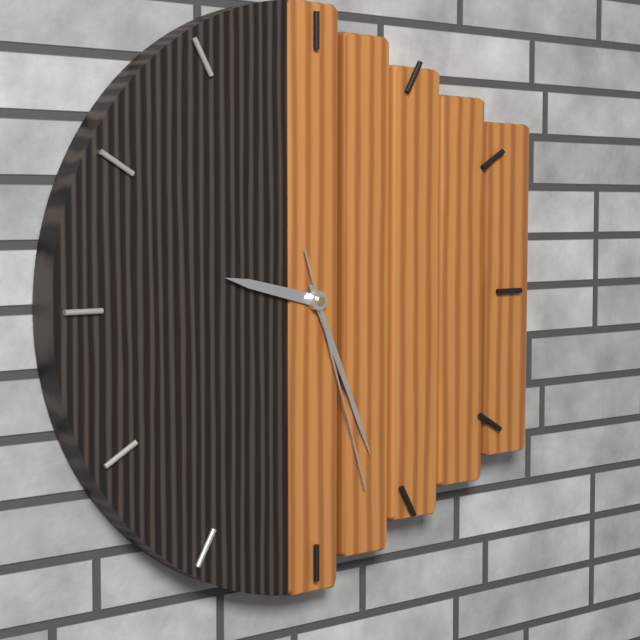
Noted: {"hour": 9, "minute": 26, "second": 27}
